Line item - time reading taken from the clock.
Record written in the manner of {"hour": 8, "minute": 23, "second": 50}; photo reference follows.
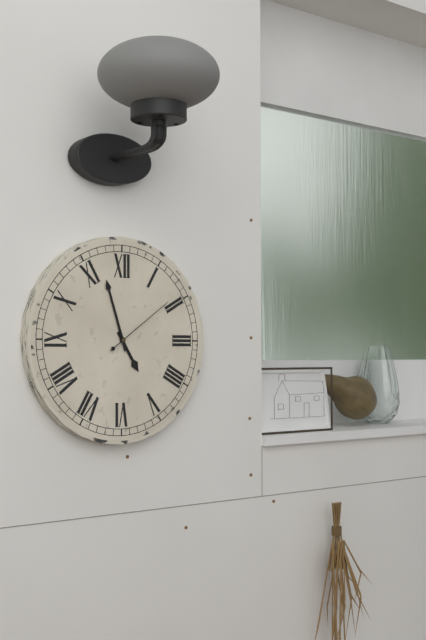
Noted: {"hour": 4, "minute": 57, "second": 9}
